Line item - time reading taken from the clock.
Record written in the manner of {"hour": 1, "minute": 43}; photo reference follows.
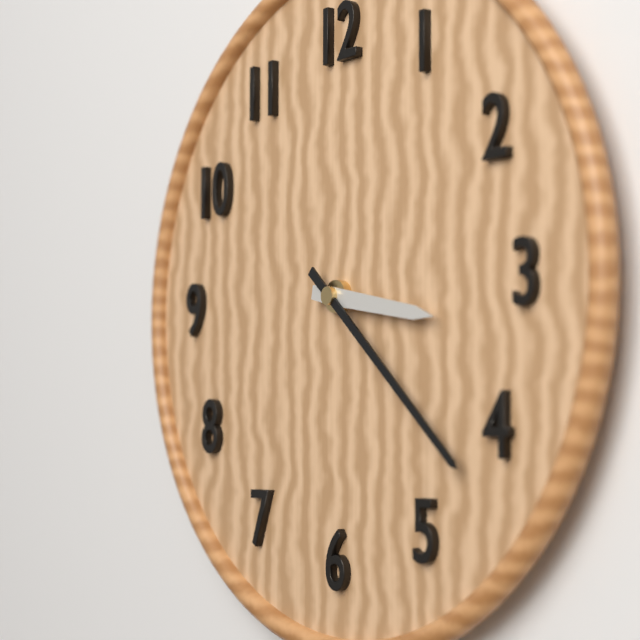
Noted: {"hour": 3, "minute": 22}
